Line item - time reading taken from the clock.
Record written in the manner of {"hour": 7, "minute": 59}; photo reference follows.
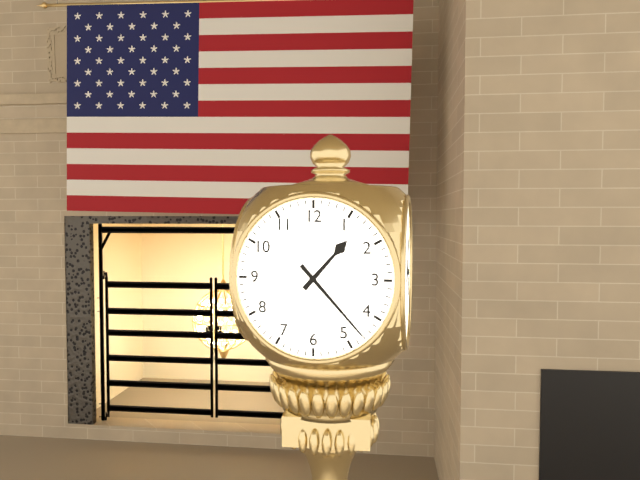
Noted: {"hour": 1, "minute": 23}
